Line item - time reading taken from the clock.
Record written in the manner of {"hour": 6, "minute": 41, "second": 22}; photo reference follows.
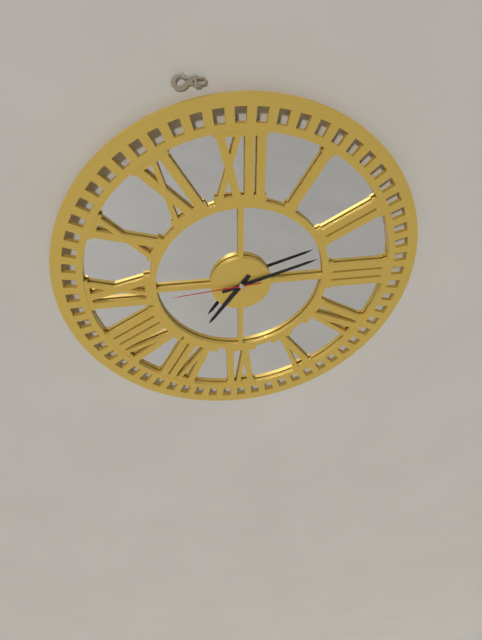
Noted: {"hour": 7, "minute": 12, "second": 44}
